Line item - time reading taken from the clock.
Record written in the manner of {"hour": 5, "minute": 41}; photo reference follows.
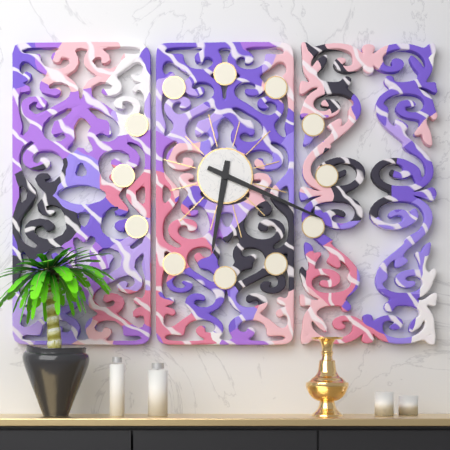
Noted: {"hour": 6, "minute": 19}
